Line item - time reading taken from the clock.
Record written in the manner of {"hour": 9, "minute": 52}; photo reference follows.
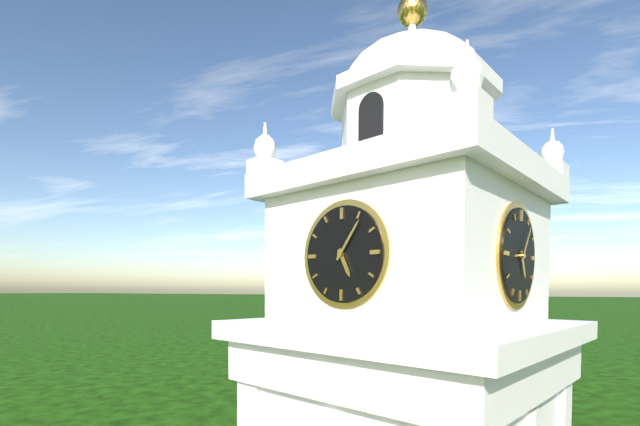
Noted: {"hour": 5, "minute": 6}
